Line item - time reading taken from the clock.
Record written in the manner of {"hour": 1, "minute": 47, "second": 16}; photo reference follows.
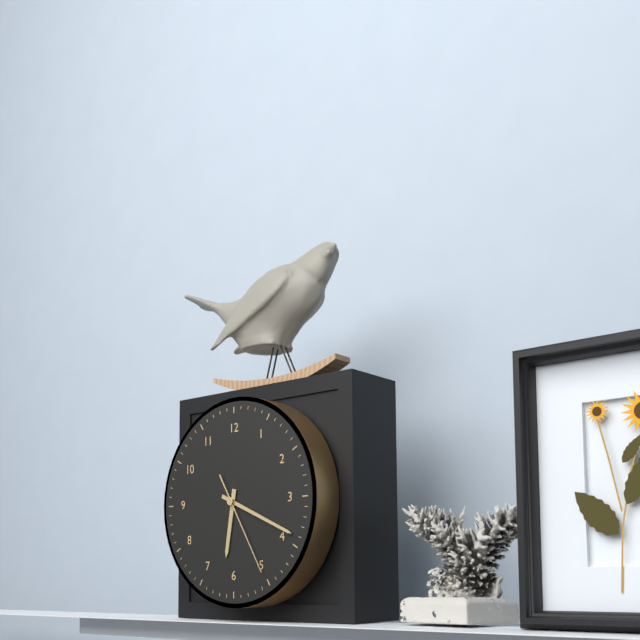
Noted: {"hour": 6, "minute": 19, "second": 25}
